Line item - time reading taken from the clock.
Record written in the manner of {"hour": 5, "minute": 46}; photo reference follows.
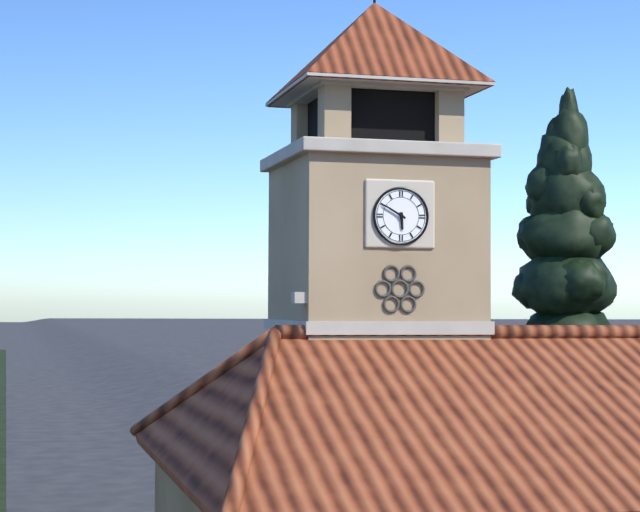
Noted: {"hour": 5, "minute": 50}
